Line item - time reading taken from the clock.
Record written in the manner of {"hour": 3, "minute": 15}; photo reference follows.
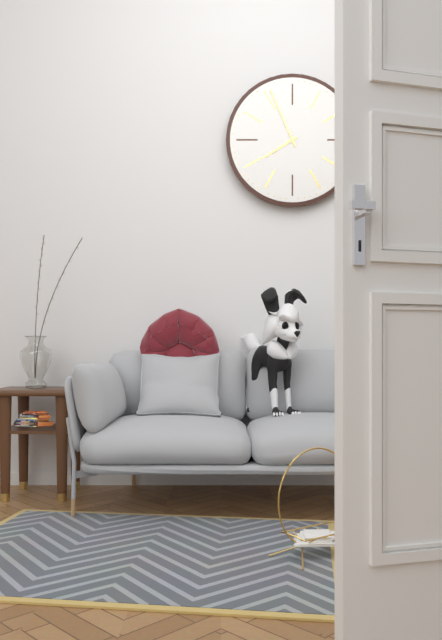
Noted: {"hour": 7, "minute": 56}
